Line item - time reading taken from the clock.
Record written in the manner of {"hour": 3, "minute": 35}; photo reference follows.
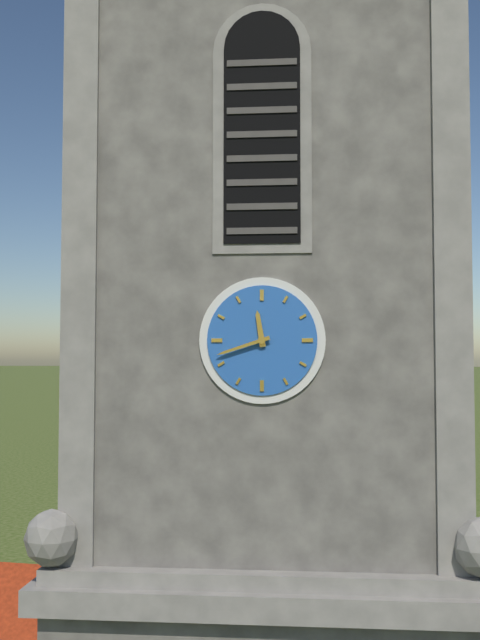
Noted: {"hour": 11, "minute": 42}
